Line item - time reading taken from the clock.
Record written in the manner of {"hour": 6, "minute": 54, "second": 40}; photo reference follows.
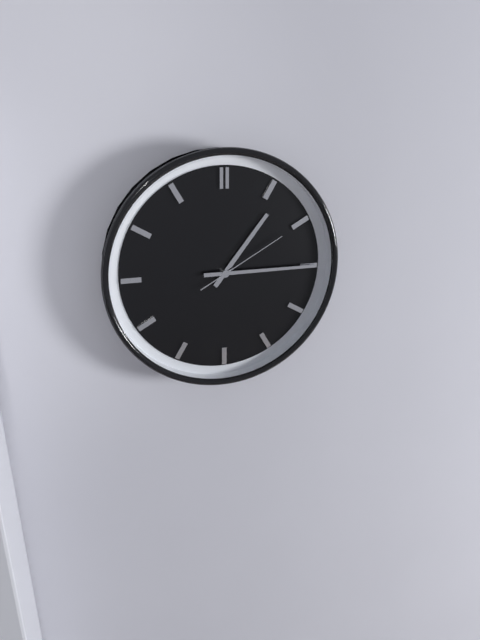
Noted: {"hour": 1, "minute": 15, "second": 10}
